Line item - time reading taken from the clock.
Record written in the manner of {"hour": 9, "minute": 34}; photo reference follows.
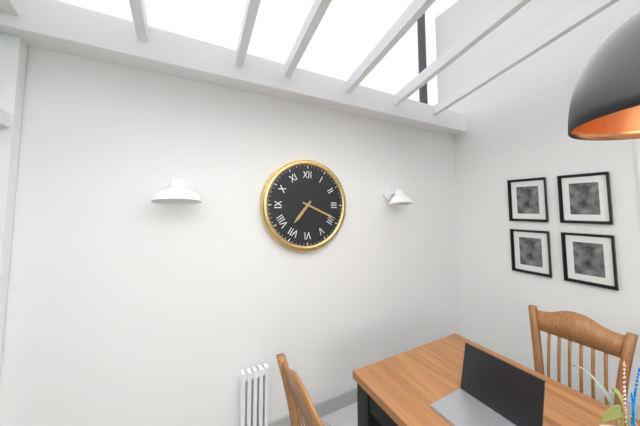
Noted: {"hour": 7, "minute": 19}
